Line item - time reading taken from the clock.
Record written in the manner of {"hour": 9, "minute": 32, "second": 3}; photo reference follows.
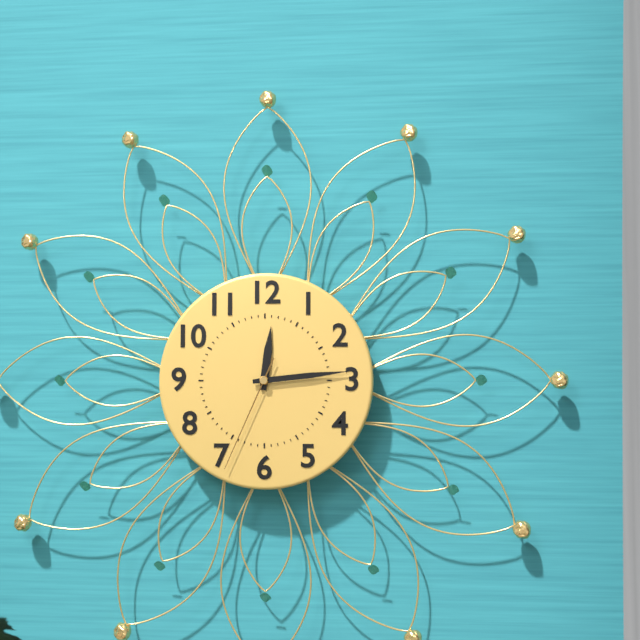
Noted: {"hour": 12, "minute": 14, "second": 34}
